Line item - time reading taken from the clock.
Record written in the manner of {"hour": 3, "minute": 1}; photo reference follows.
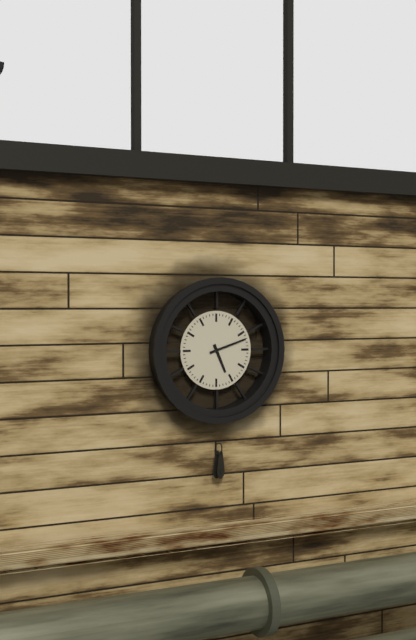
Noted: {"hour": 5, "minute": 12}
